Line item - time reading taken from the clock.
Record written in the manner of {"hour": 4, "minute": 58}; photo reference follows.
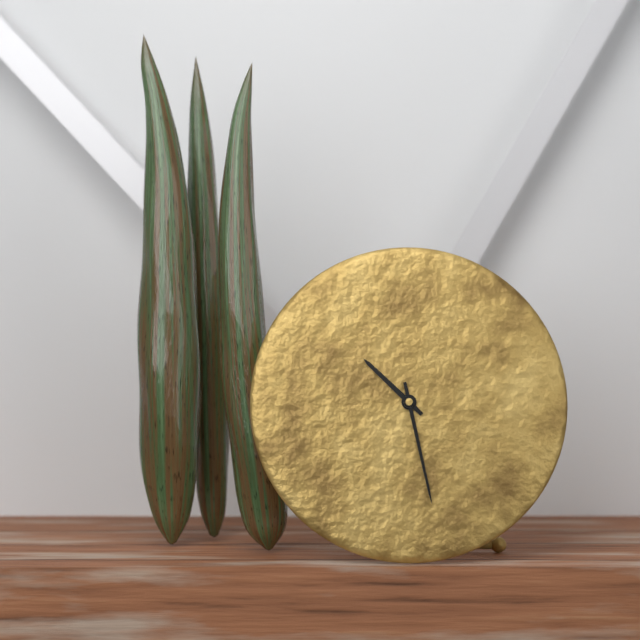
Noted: {"hour": 10, "minute": 28}
